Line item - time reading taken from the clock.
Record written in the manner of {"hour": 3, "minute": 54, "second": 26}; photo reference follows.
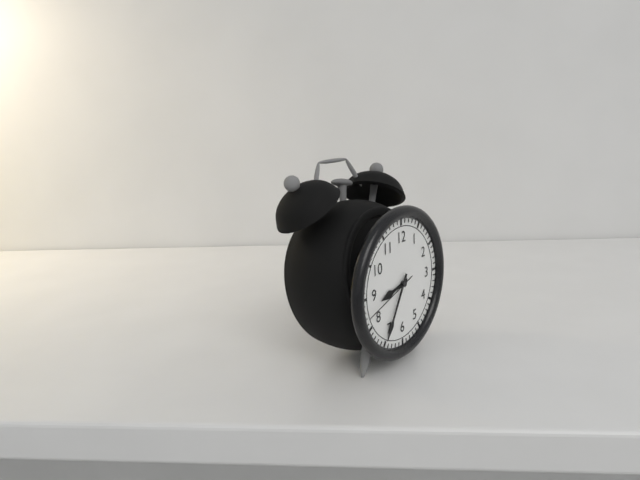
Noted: {"hour": 8, "minute": 35, "second": 42}
